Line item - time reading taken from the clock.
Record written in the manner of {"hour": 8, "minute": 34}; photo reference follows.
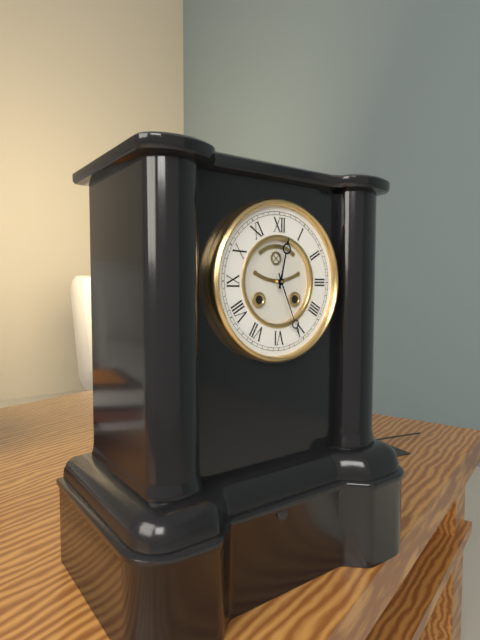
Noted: {"hour": 12, "minute": 26}
